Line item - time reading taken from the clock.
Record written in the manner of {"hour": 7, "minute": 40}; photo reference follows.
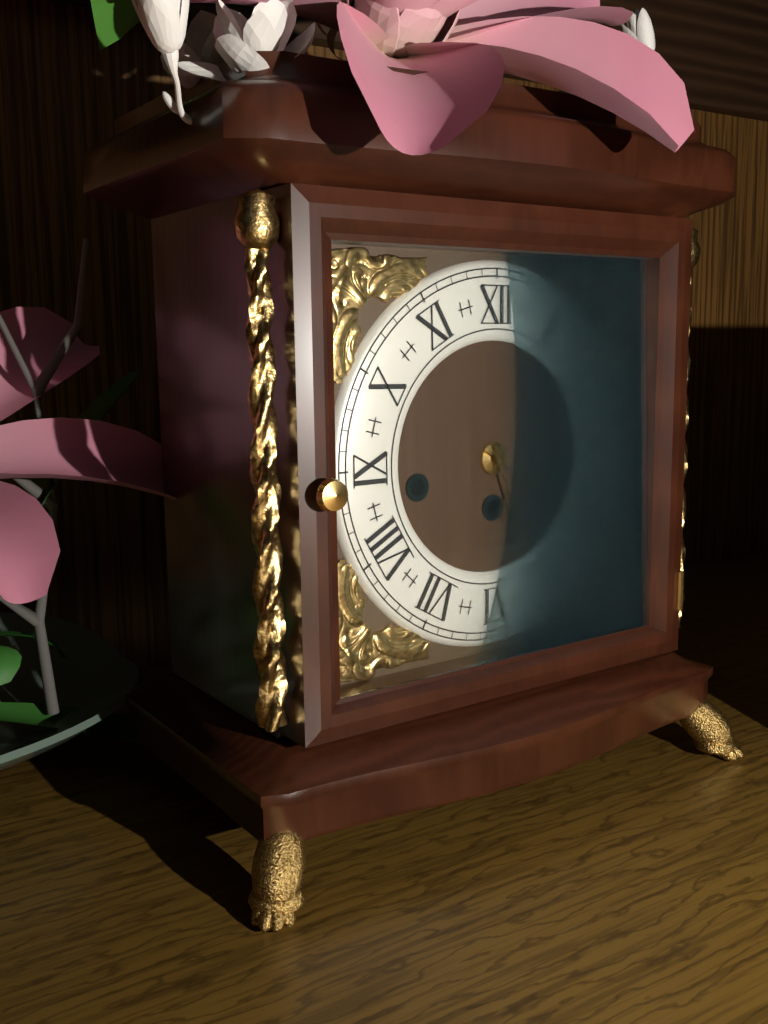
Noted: {"hour": 5, "minute": 20}
